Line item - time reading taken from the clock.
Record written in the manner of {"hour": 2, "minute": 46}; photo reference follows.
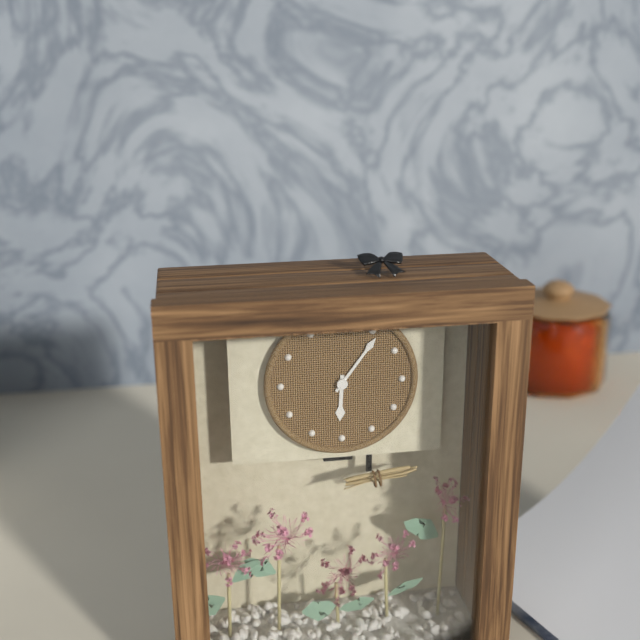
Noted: {"hour": 6, "minute": 6}
